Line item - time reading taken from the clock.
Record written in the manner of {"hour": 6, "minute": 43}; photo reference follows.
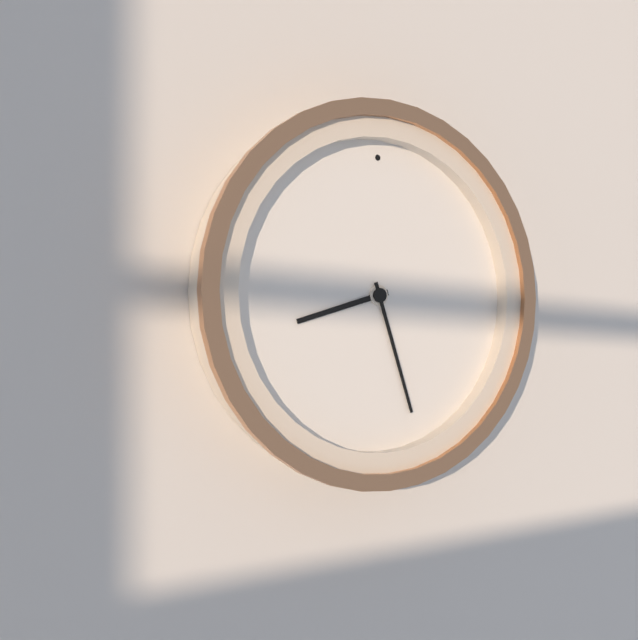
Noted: {"hour": 8, "minute": 27}
